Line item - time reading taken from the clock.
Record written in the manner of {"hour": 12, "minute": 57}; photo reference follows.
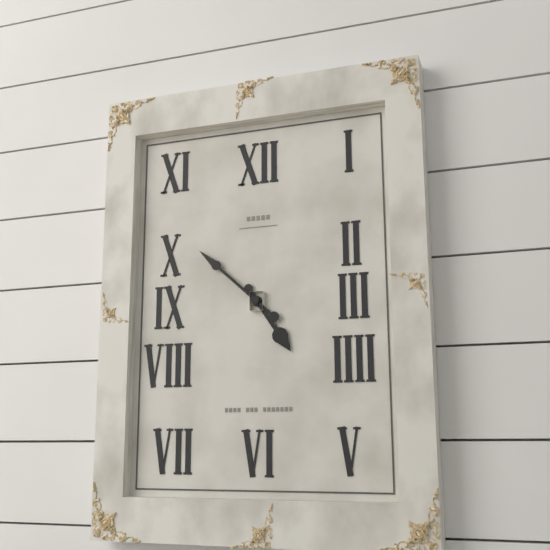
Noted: {"hour": 4, "minute": 52}
